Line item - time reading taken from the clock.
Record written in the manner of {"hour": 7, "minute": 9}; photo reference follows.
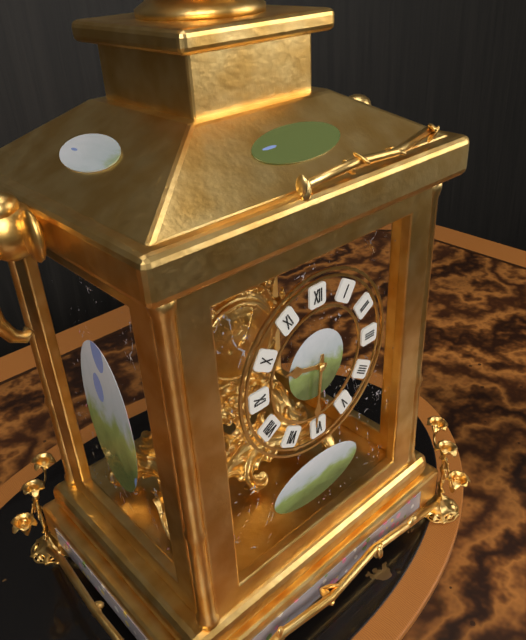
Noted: {"hour": 9, "minute": 31}
